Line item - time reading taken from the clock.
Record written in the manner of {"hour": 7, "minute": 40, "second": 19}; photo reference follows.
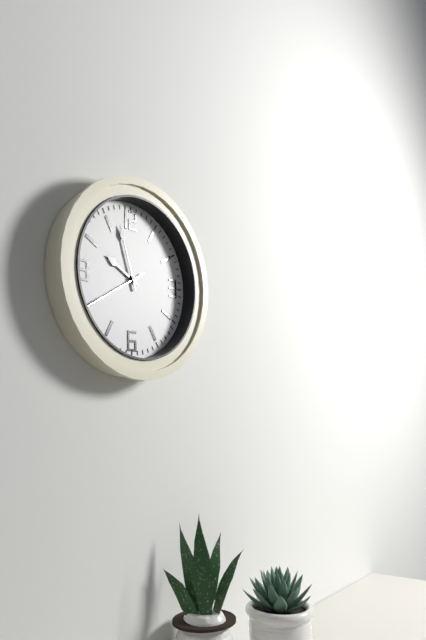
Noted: {"hour": 9, "minute": 57, "second": 40}
